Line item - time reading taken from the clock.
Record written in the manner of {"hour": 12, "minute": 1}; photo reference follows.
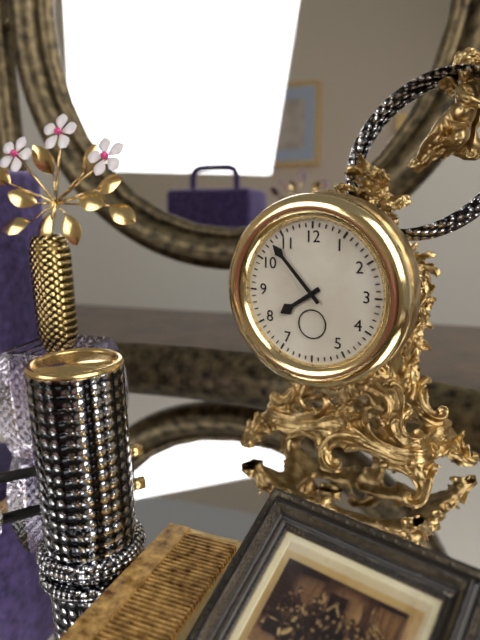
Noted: {"hour": 7, "minute": 53}
